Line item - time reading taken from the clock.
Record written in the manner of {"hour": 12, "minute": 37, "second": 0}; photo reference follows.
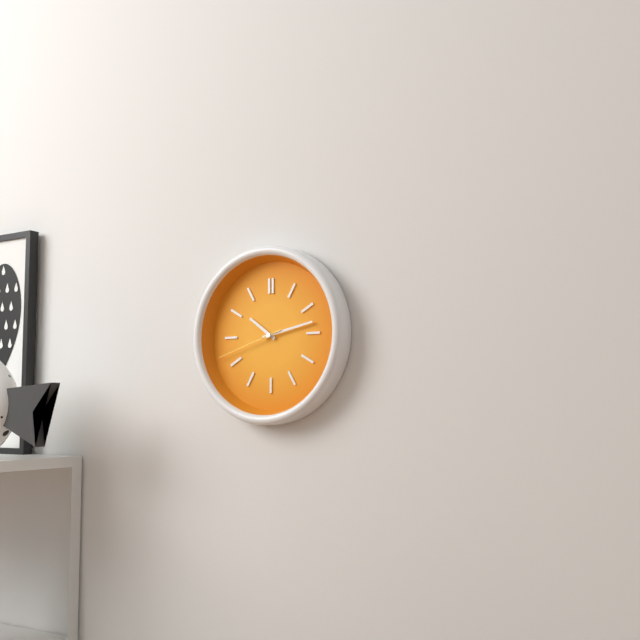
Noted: {"hour": 10, "minute": 13, "second": 42}
